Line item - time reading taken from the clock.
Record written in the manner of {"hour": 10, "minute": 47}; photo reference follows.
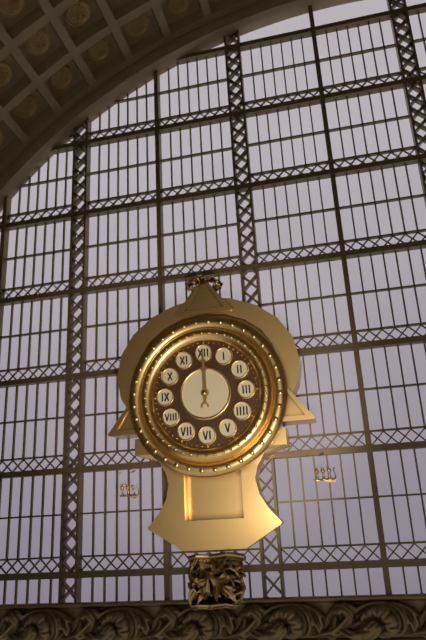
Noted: {"hour": 12, "minute": 0}
